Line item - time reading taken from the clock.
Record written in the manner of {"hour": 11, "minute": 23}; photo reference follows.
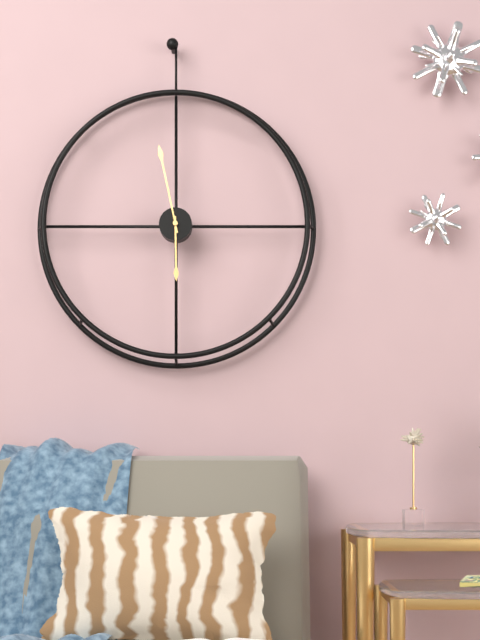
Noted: {"hour": 5, "minute": 58}
